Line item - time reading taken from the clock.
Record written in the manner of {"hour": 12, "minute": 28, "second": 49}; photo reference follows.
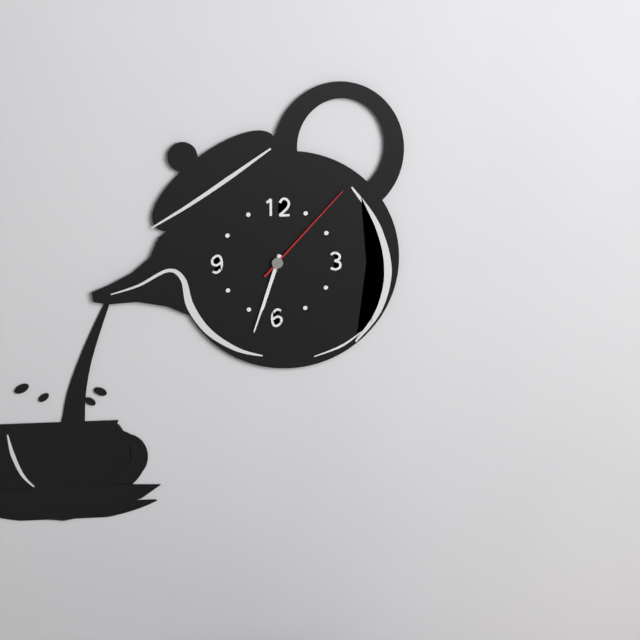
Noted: {"hour": 6, "minute": 33, "second": 7}
